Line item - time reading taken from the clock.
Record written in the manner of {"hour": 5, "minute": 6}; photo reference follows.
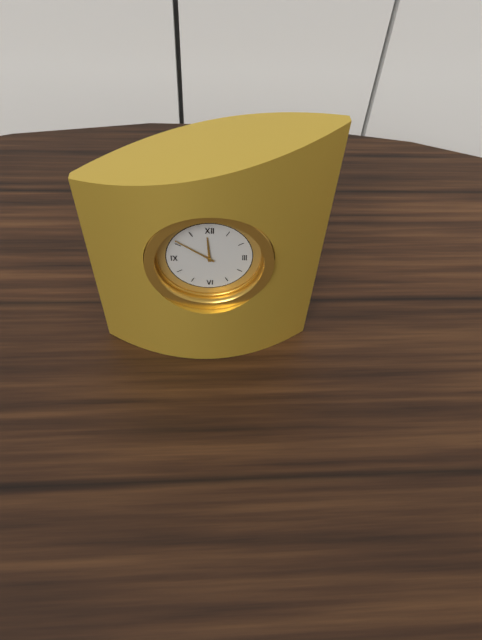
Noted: {"hour": 11, "minute": 51}
